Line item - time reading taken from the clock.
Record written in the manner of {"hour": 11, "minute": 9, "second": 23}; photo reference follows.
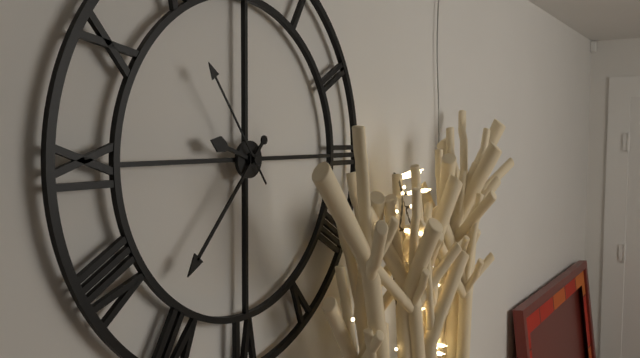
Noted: {"hour": 9, "minute": 37, "second": 54}
